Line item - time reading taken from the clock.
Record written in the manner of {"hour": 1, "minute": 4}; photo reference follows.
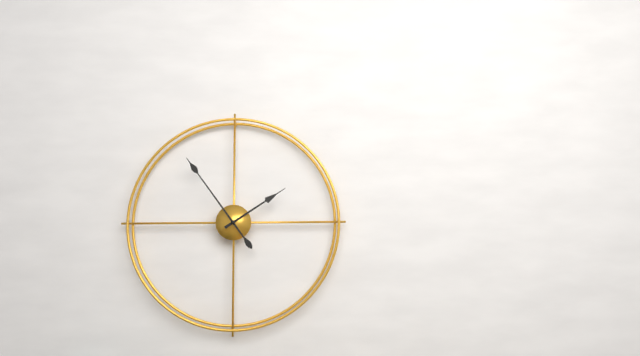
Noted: {"hour": 1, "minute": 54}
